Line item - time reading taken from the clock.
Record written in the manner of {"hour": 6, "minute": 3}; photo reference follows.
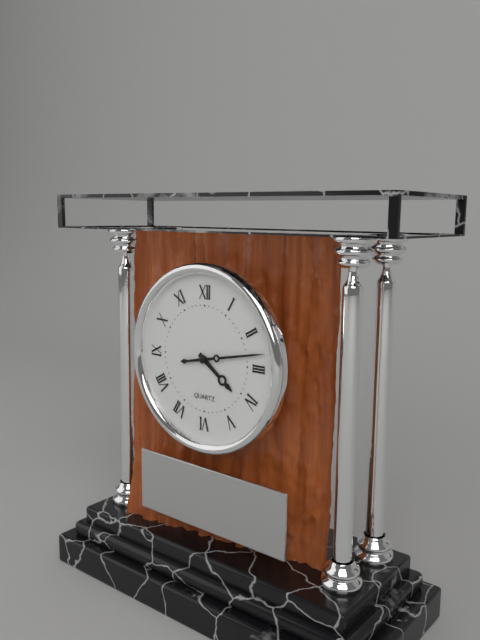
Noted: {"hour": 4, "minute": 13}
